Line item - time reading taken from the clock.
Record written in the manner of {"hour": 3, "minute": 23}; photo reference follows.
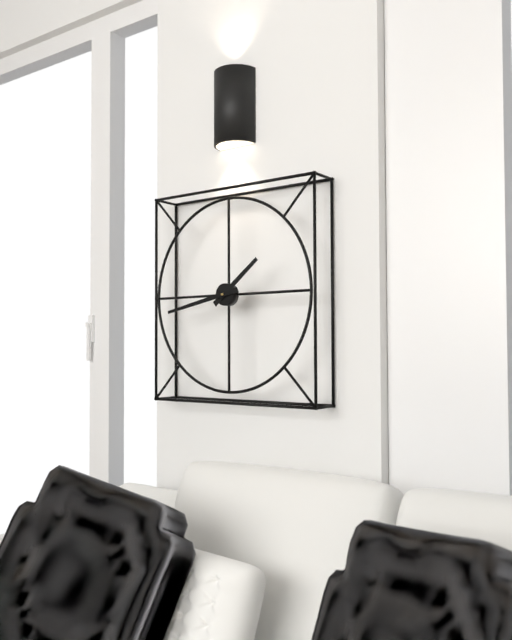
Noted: {"hour": 1, "minute": 43}
